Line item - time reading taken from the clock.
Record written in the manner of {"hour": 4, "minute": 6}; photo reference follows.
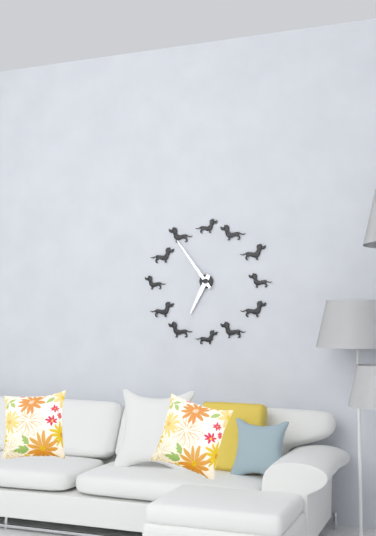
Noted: {"hour": 6, "minute": 54}
